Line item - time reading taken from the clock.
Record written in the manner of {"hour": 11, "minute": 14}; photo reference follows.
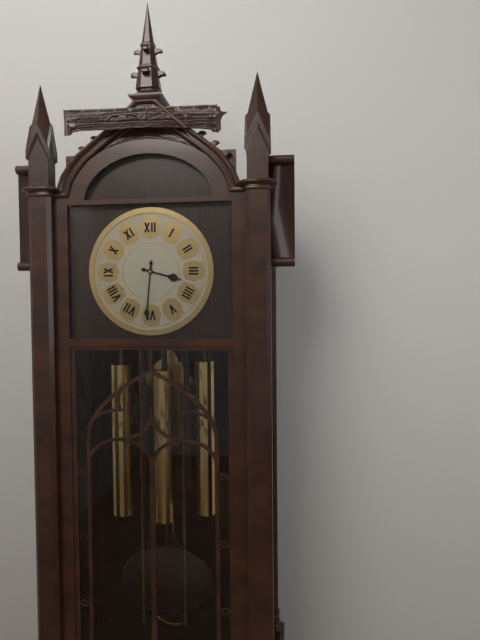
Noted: {"hour": 3, "minute": 31}
